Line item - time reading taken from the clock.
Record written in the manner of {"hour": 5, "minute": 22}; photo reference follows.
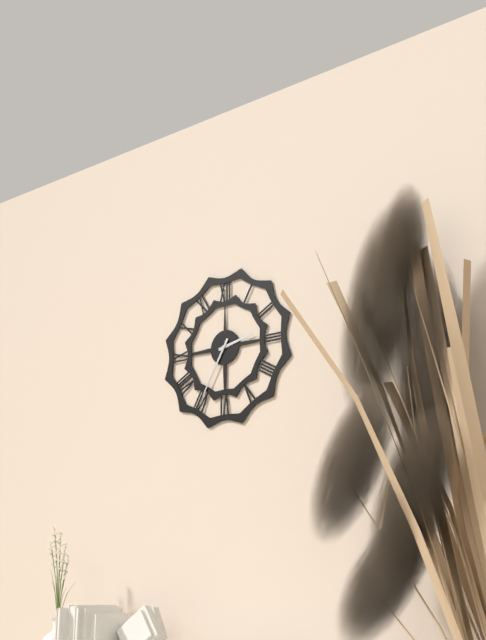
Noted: {"hour": 2, "minute": 35}
